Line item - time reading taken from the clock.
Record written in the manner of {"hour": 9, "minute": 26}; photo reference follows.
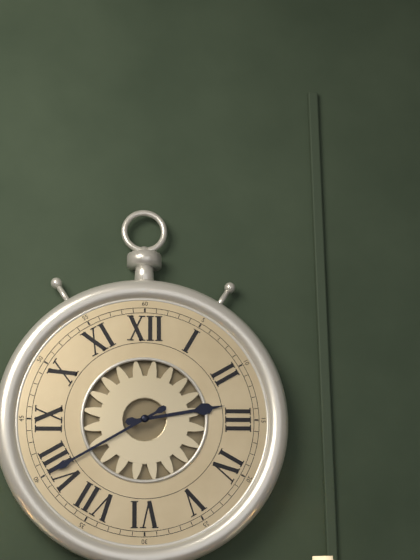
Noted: {"hour": 2, "minute": 40}
